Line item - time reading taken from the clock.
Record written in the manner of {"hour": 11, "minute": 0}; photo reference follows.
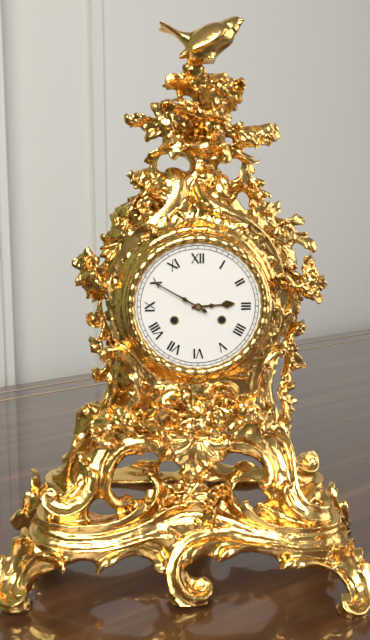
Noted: {"hour": 2, "minute": 50}
